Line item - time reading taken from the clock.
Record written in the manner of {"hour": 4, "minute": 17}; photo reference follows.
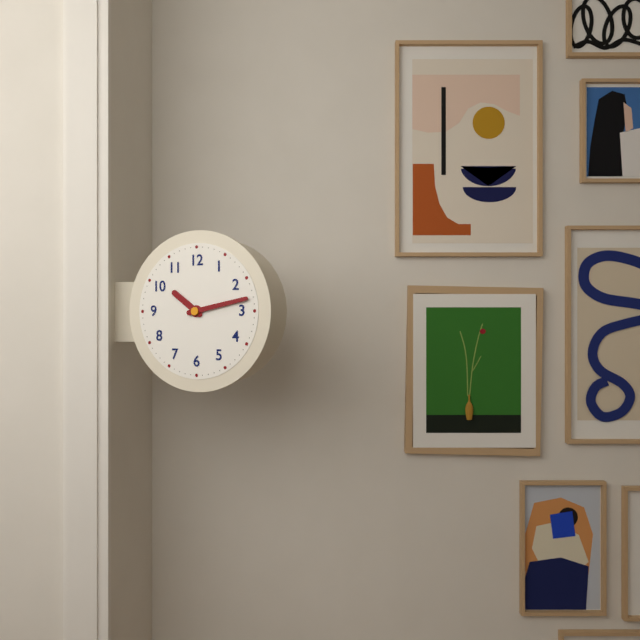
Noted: {"hour": 10, "minute": 13}
